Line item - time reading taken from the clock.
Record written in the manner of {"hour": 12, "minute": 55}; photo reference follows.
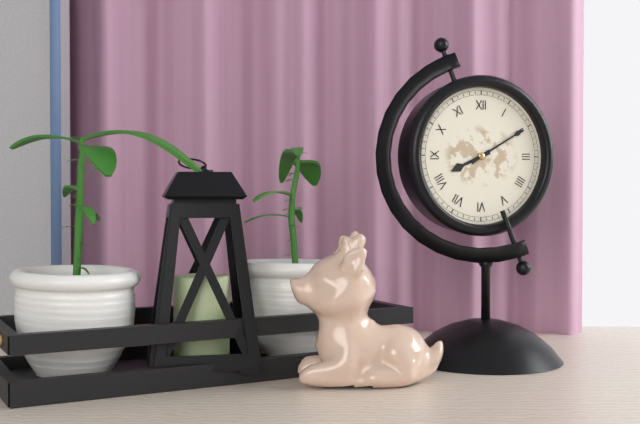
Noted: {"hour": 8, "minute": 10}
